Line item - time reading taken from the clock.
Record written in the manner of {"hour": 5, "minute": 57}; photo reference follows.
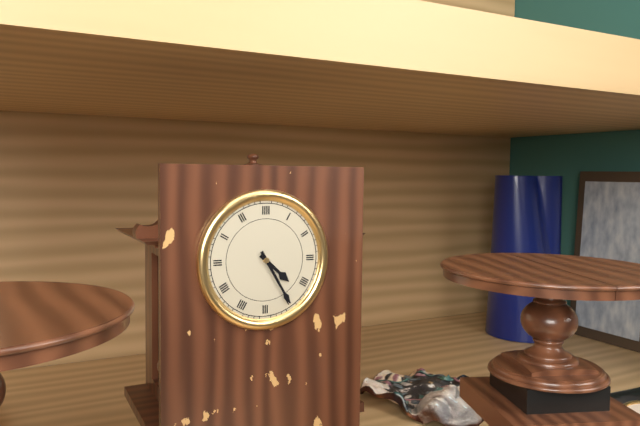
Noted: {"hour": 4, "minute": 25}
